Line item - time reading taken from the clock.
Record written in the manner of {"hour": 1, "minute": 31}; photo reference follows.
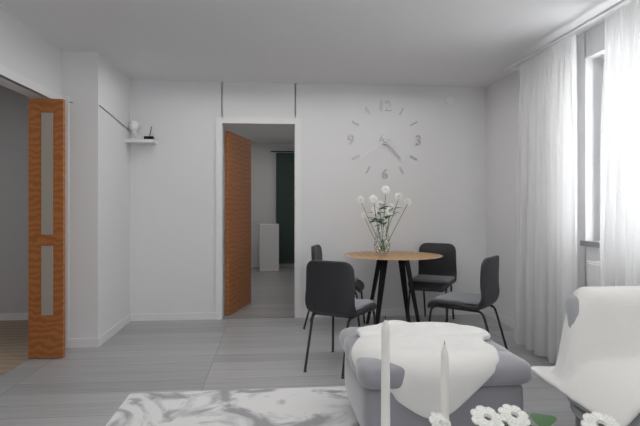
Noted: {"hour": 4, "minute": 39}
